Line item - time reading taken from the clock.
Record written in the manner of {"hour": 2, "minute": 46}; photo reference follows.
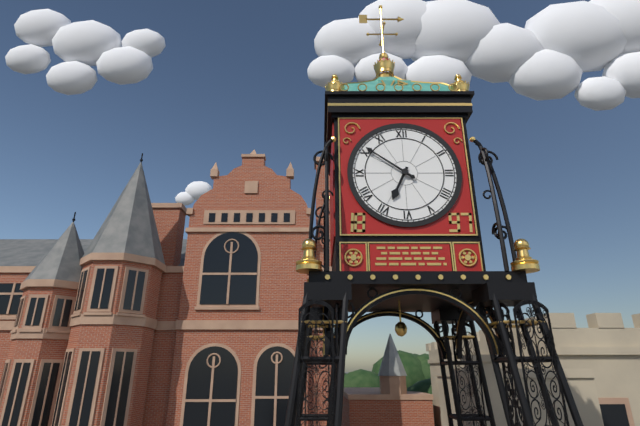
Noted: {"hour": 6, "minute": 51}
